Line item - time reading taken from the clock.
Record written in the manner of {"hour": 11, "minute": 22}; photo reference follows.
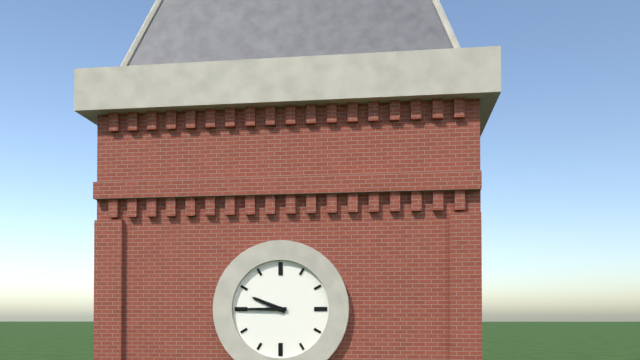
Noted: {"hour": 9, "minute": 45}
